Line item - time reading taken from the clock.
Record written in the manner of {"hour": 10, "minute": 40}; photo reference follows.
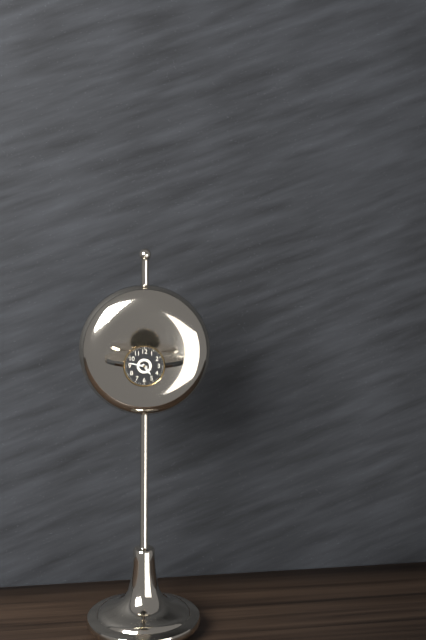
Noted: {"hour": 4, "minute": 47}
